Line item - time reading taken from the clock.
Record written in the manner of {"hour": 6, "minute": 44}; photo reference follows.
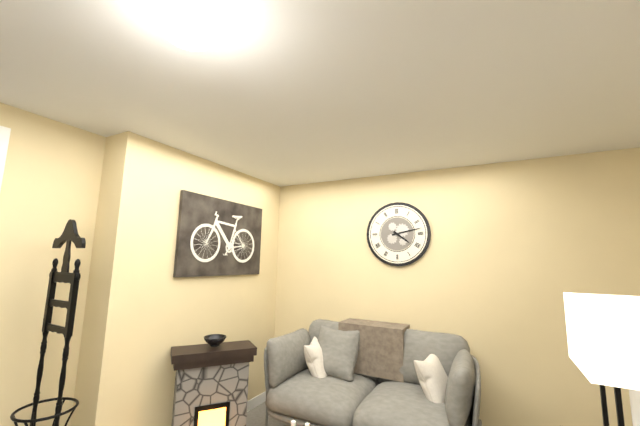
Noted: {"hour": 4, "minute": 13}
